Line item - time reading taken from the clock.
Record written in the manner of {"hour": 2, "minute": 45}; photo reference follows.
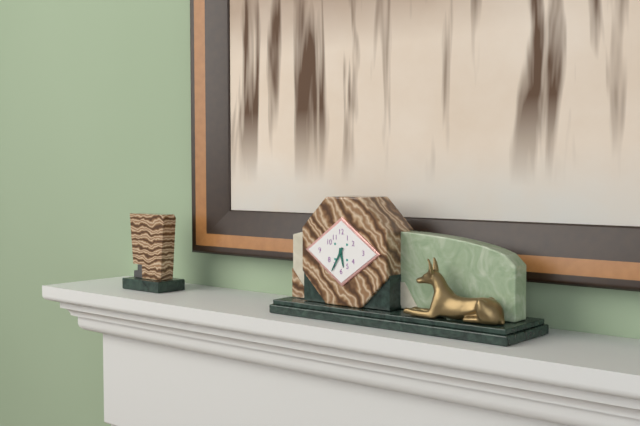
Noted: {"hour": 5, "minute": 35}
